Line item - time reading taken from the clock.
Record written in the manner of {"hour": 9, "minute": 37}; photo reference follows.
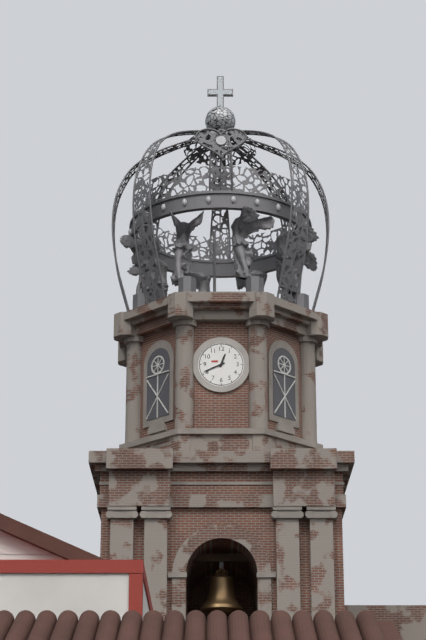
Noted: {"hour": 12, "minute": 41}
